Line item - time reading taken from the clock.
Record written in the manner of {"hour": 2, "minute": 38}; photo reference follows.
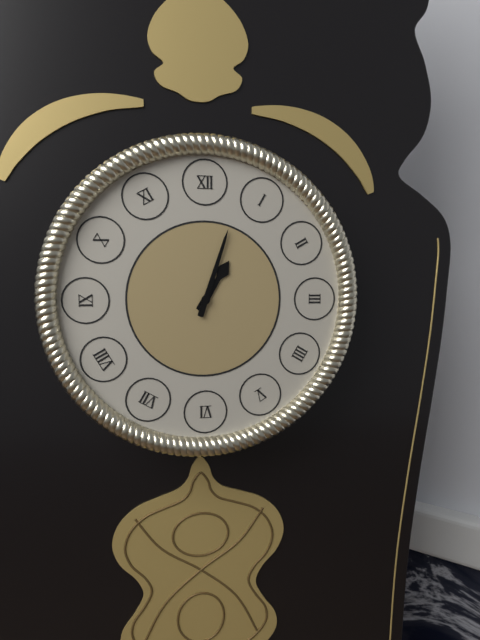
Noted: {"hour": 1, "minute": 3}
